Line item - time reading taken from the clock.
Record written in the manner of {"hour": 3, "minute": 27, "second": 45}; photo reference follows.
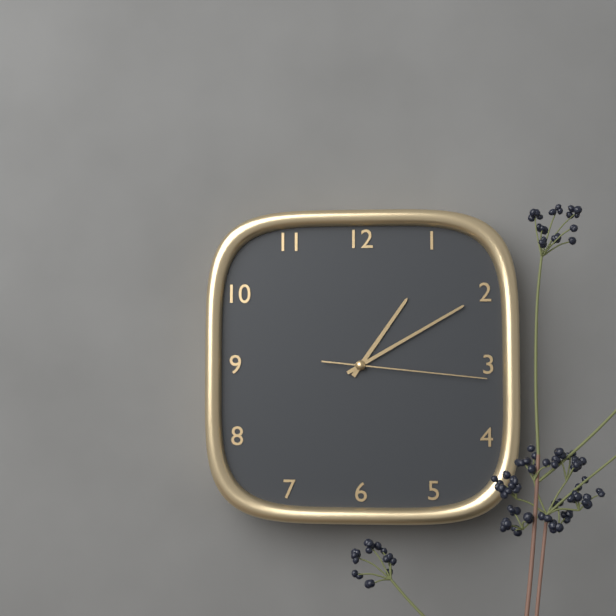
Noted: {"hour": 1, "minute": 10, "second": 16}
